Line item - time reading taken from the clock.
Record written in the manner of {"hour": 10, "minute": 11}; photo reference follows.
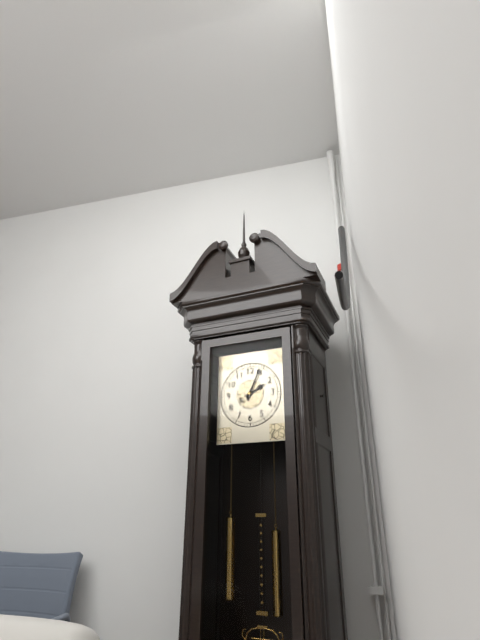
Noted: {"hour": 2, "minute": 4}
